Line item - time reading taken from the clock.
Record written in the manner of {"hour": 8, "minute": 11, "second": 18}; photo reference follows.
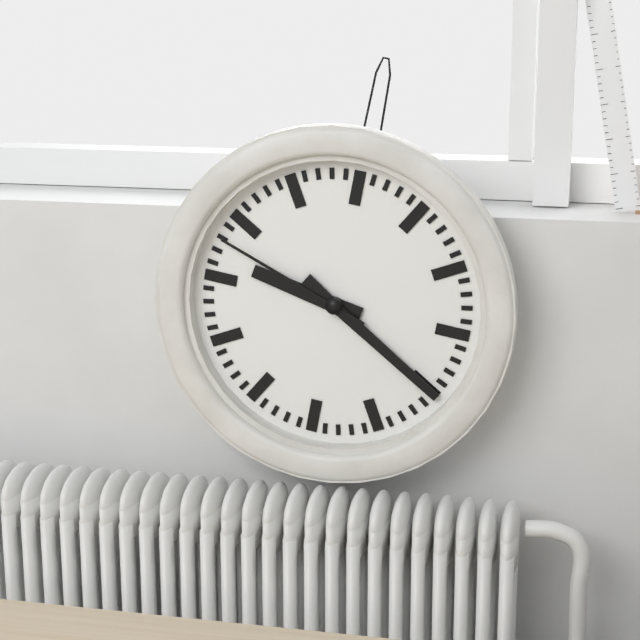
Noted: {"hour": 9, "minute": 20, "second": 48}
